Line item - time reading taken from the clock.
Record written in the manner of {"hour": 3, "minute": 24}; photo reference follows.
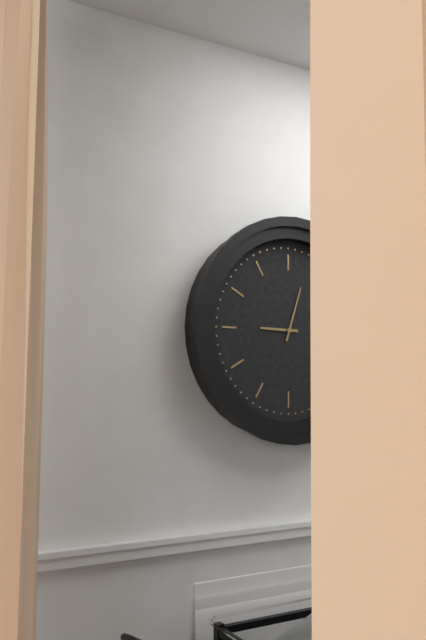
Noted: {"hour": 9, "minute": 3}
